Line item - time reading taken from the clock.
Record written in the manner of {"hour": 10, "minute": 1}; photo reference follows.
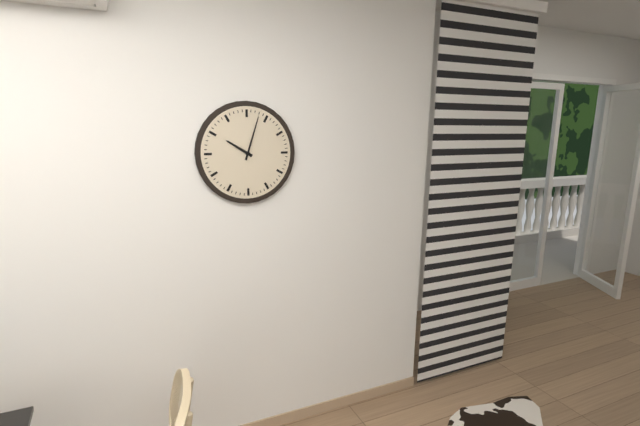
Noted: {"hour": 10, "minute": 3}
